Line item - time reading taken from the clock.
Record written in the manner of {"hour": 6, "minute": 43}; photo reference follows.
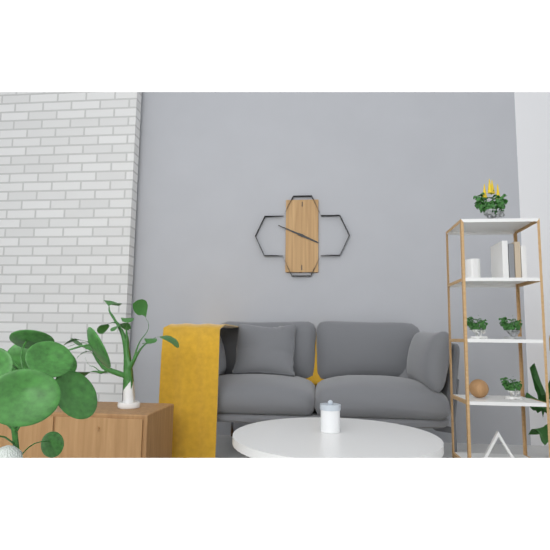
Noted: {"hour": 3, "minute": 49}
